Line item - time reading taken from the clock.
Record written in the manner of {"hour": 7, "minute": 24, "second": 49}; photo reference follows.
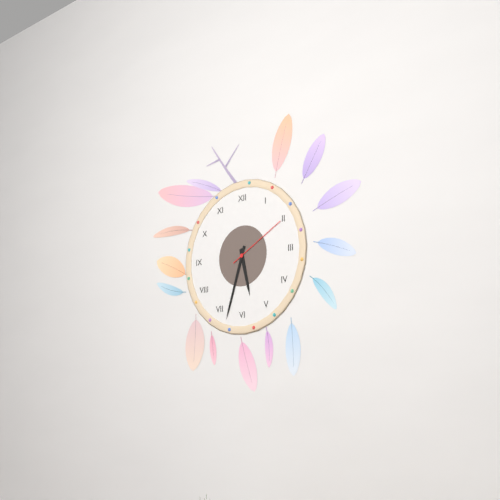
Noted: {"hour": 5, "minute": 33, "second": 10}
